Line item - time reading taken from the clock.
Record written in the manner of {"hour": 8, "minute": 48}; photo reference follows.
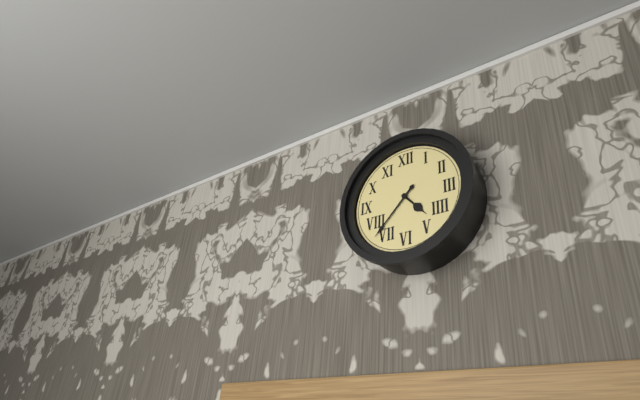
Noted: {"hour": 4, "minute": 37}
